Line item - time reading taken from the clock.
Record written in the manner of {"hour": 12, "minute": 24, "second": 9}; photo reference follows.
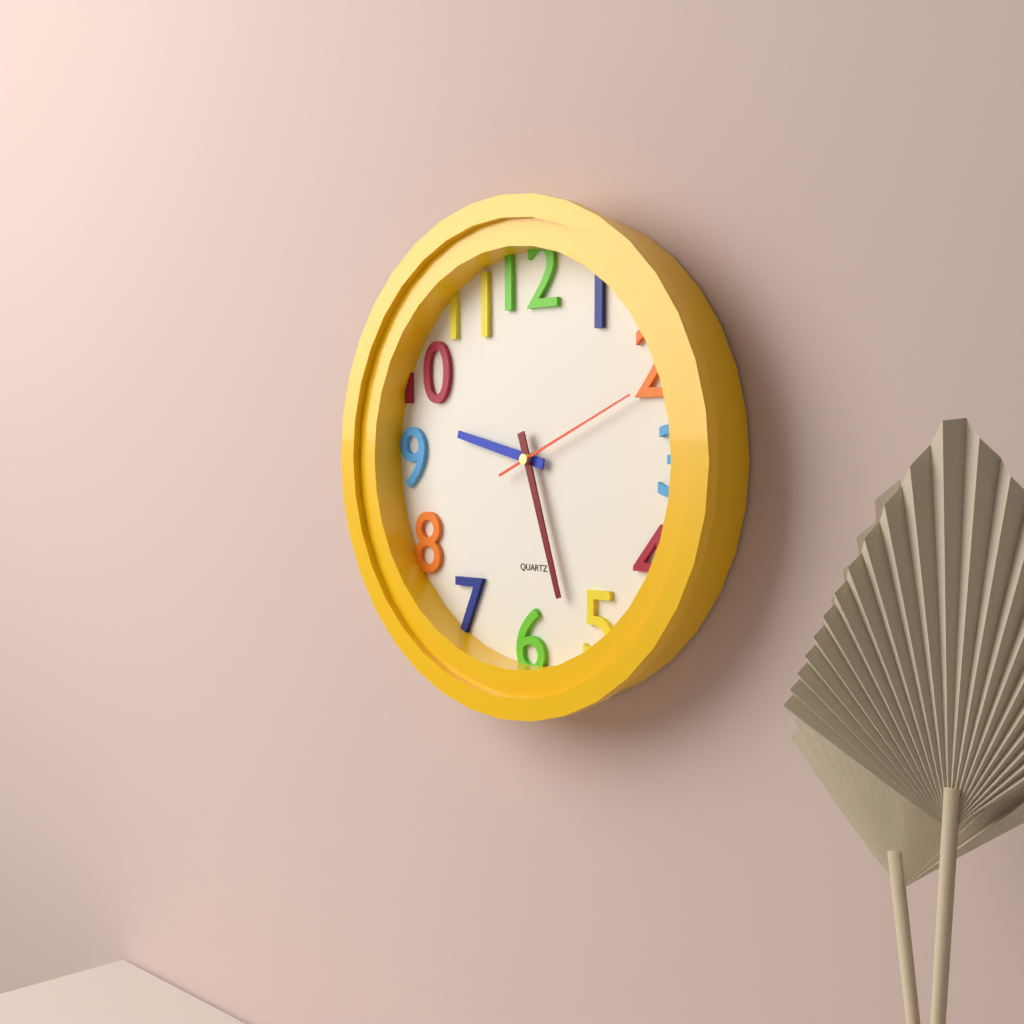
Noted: {"hour": 9, "minute": 27, "second": 11}
